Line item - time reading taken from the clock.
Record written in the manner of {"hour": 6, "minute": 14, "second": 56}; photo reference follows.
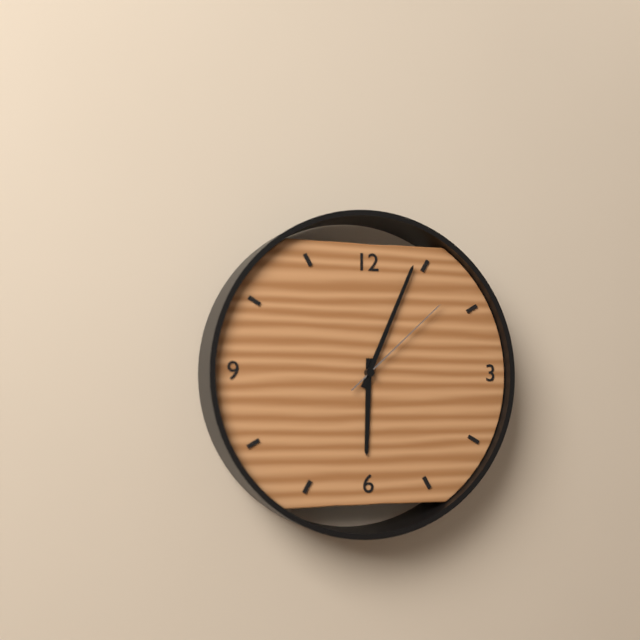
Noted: {"hour": 6, "minute": 4, "second": 8}
